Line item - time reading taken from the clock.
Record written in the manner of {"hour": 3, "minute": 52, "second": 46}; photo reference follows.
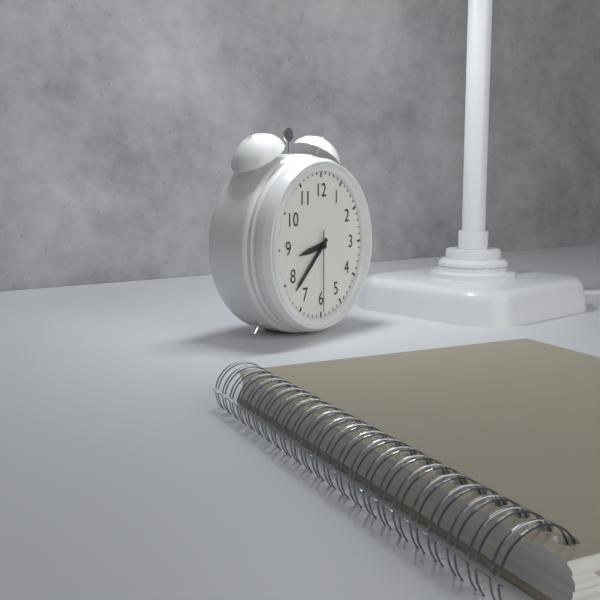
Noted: {"hour": 8, "minute": 38, "second": 30}
